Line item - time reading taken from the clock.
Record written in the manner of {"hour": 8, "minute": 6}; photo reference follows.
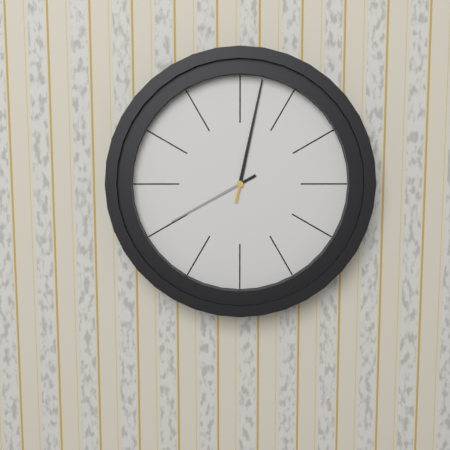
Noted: {"hour": 8, "minute": 2}
